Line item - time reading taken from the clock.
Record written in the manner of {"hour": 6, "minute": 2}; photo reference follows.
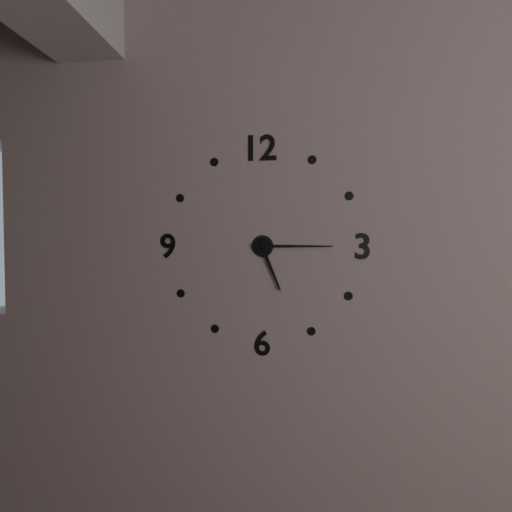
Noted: {"hour": 5, "minute": 15}
